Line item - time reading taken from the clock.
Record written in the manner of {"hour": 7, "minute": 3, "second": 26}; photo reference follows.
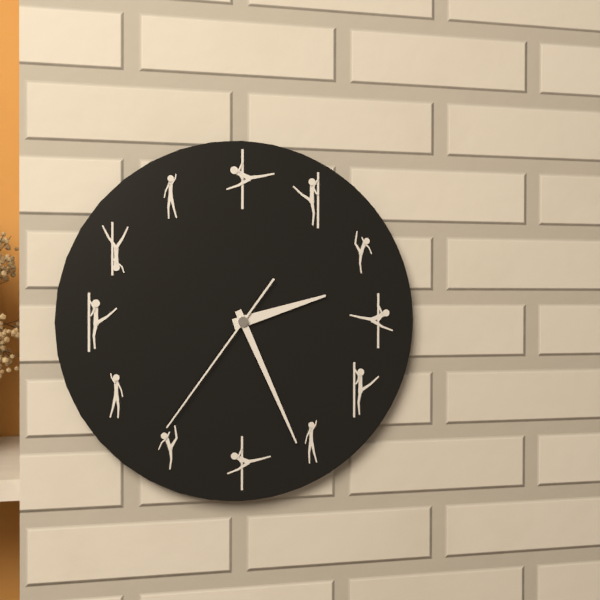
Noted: {"hour": 2, "minute": 26, "second": 36}
